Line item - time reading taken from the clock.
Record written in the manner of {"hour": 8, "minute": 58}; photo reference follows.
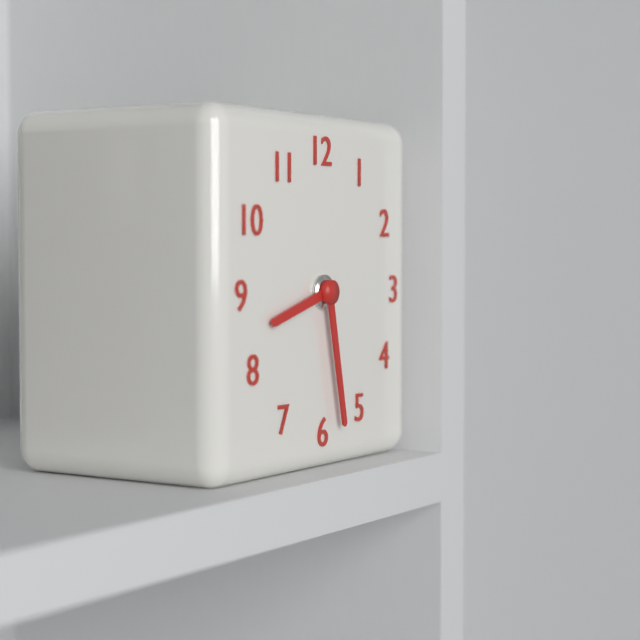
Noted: {"hour": 8, "minute": 28}
